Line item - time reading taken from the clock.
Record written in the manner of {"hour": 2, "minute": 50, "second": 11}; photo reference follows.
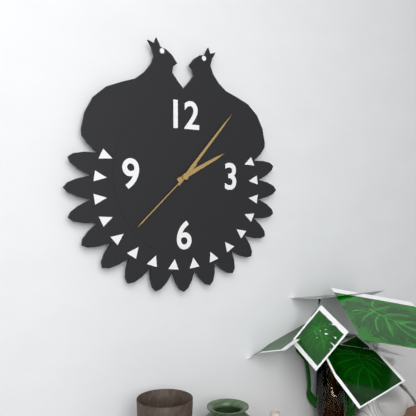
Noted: {"hour": 2, "minute": 7, "second": 38}
